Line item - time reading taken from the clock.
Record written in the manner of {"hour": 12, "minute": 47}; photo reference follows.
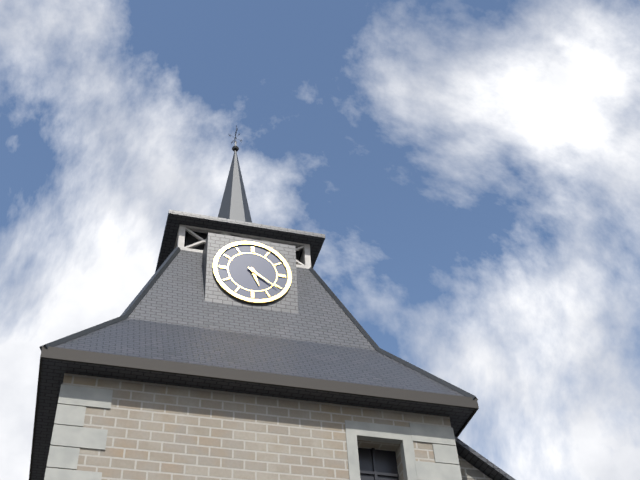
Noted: {"hour": 5, "minute": 21}
